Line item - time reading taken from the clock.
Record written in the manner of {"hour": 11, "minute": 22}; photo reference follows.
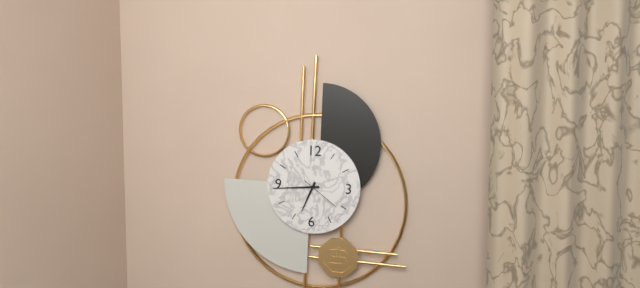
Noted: {"hour": 6, "minute": 44}
